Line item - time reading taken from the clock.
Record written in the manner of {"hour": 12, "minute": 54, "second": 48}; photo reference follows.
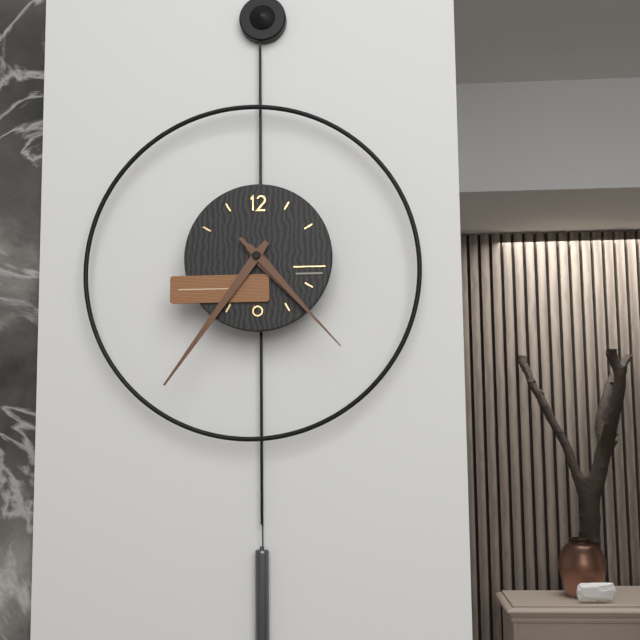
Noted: {"hour": 4, "minute": 36, "second": 23}
